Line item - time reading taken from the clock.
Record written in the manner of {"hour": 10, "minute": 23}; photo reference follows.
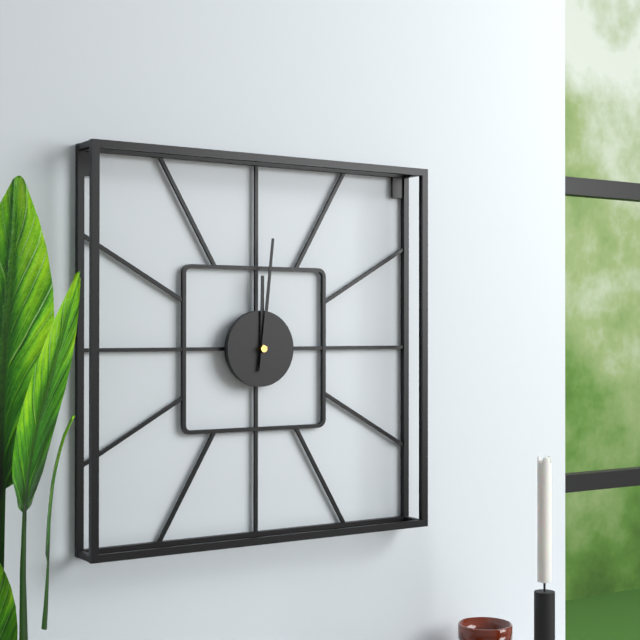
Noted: {"hour": 12, "minute": 1}
